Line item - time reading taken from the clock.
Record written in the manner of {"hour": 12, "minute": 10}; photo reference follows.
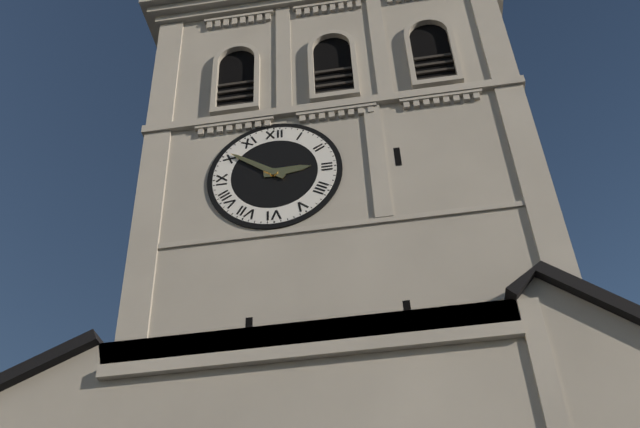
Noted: {"hour": 2, "minute": 51}
